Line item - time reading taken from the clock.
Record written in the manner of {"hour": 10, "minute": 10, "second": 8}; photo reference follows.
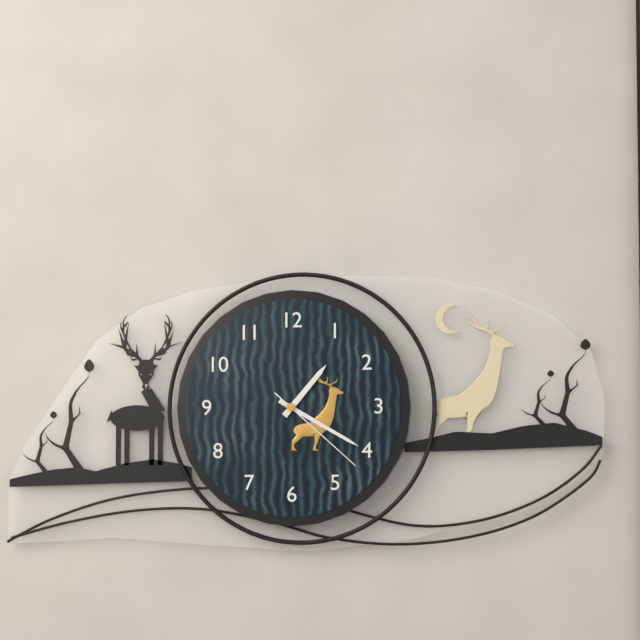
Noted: {"hour": 1, "minute": 20, "second": 22}
